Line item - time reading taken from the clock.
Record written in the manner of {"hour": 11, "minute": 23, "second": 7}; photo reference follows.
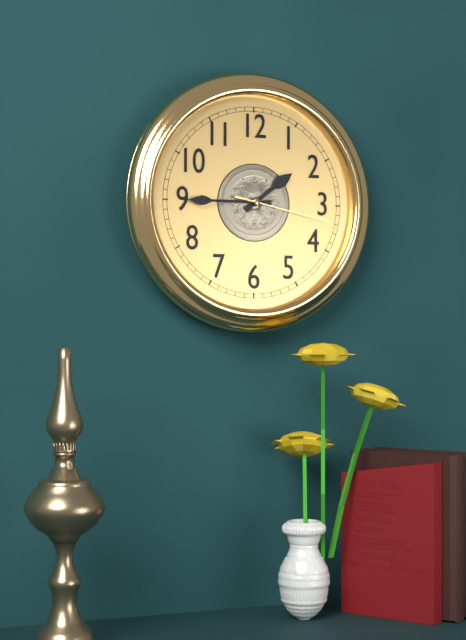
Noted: {"hour": 1, "minute": 45, "second": 17}
